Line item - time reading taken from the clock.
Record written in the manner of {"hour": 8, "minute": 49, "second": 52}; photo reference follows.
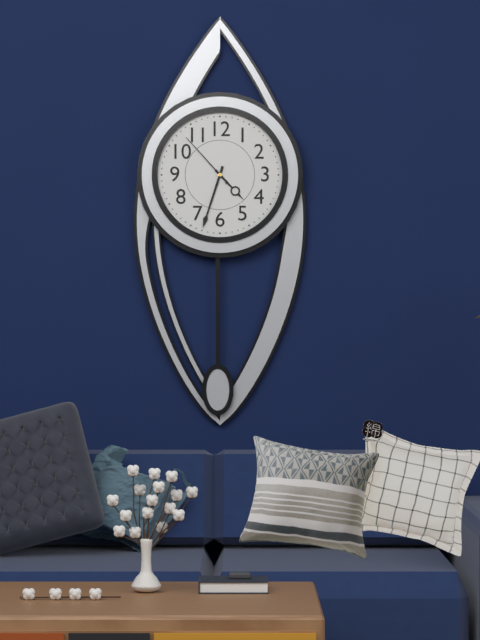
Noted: {"hour": 4, "minute": 33, "second": 53}
